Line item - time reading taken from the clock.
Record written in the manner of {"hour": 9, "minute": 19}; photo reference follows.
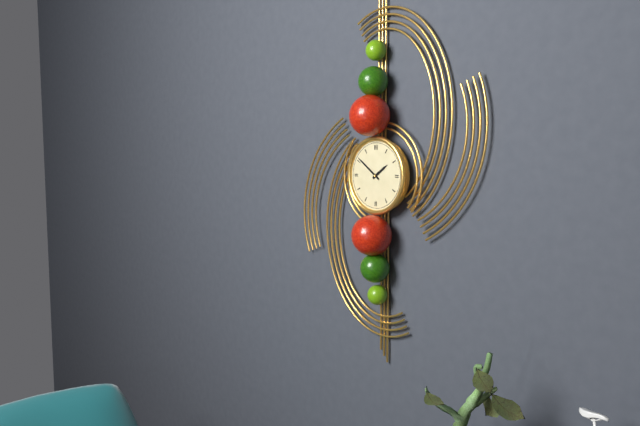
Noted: {"hour": 1, "minute": 51}
